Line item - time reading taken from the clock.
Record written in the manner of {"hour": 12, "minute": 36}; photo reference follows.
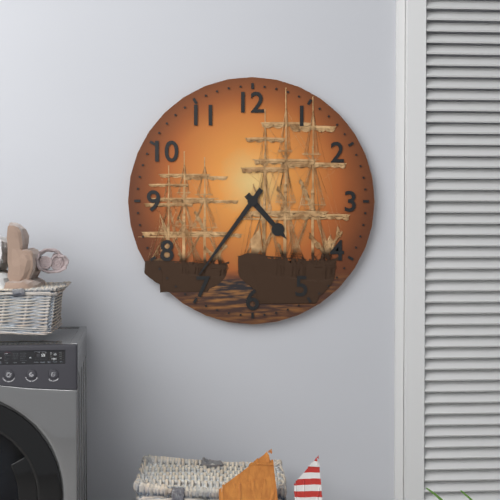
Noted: {"hour": 4, "minute": 36}
